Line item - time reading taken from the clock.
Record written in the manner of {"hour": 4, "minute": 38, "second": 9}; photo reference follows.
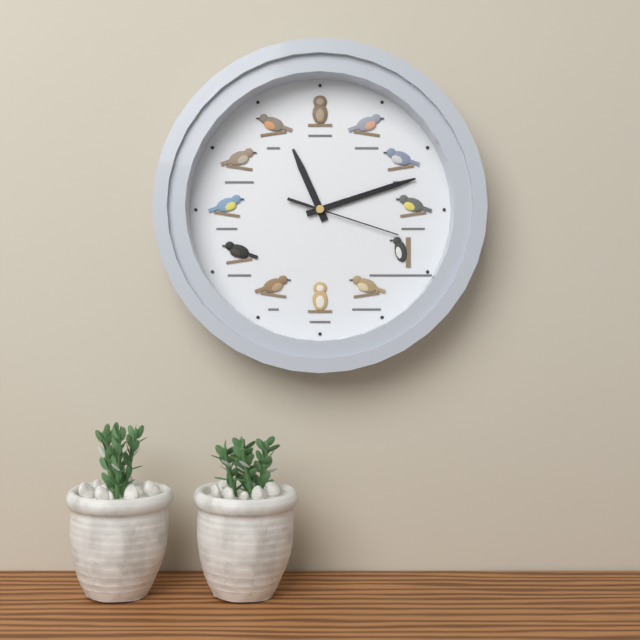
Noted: {"hour": 11, "minute": 12, "second": 18}
